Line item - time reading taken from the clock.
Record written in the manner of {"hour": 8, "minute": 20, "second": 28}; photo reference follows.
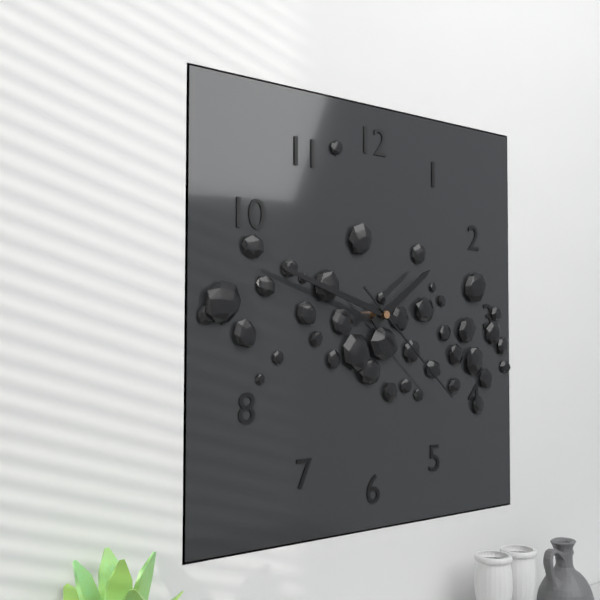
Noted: {"hour": 1, "minute": 48, "second": 22}
